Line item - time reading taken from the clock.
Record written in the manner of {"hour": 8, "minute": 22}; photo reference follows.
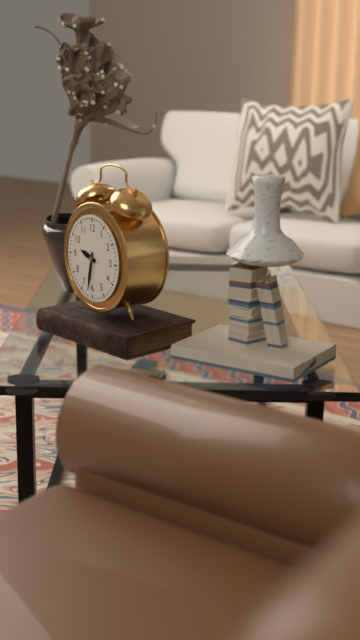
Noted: {"hour": 9, "minute": 32}
